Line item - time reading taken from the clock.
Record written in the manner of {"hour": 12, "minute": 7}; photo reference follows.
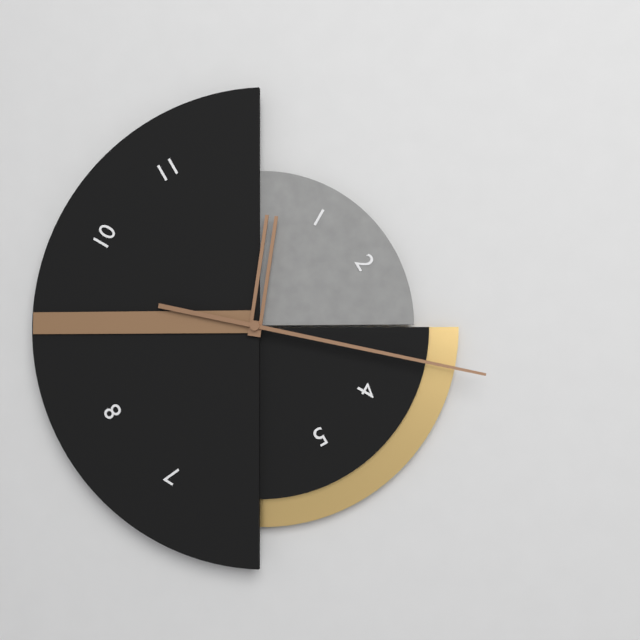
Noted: {"hour": 12, "minute": 17}
